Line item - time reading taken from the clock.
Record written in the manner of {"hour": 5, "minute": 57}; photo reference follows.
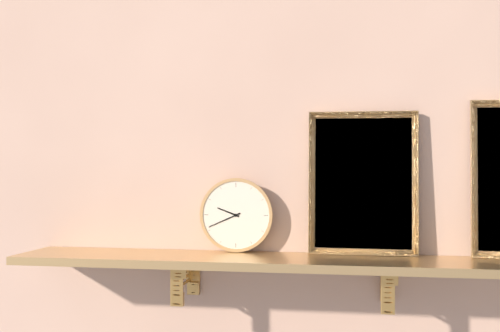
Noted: {"hour": 9, "minute": 41}
